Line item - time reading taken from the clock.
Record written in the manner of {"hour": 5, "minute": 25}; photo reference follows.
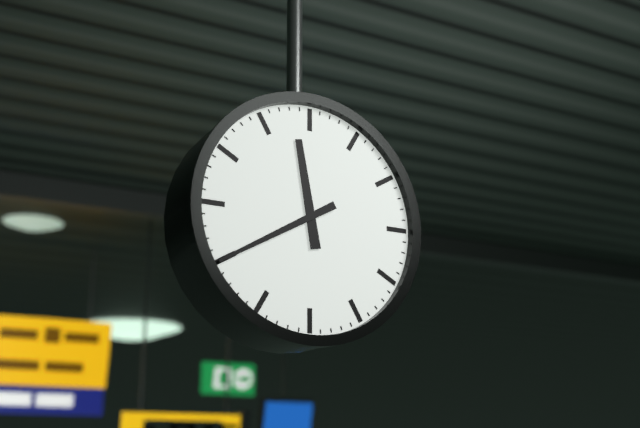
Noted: {"hour": 11, "minute": 40}
